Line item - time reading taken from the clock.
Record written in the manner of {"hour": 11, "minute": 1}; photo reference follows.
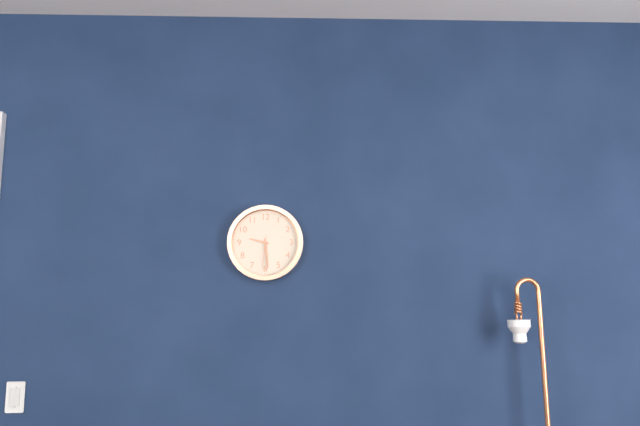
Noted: {"hour": 9, "minute": 29}
